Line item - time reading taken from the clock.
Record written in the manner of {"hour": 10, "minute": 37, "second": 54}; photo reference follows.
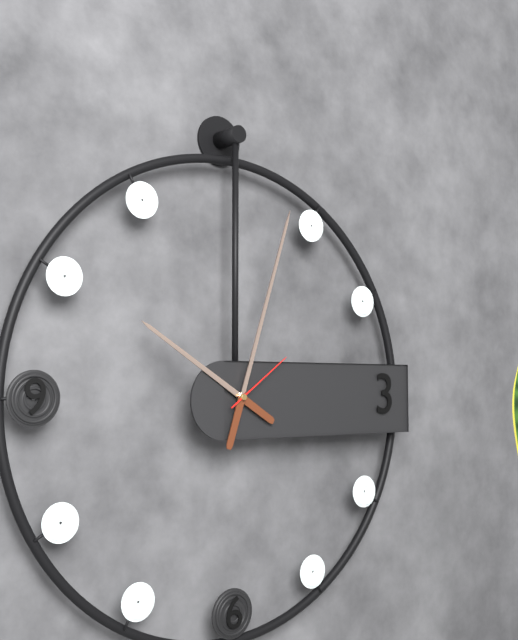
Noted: {"hour": 10, "minute": 3, "second": 9}
